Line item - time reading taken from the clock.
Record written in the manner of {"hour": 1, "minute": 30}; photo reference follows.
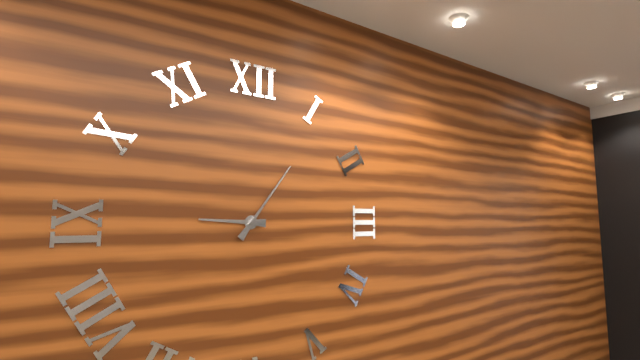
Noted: {"hour": 9, "minute": 6}
